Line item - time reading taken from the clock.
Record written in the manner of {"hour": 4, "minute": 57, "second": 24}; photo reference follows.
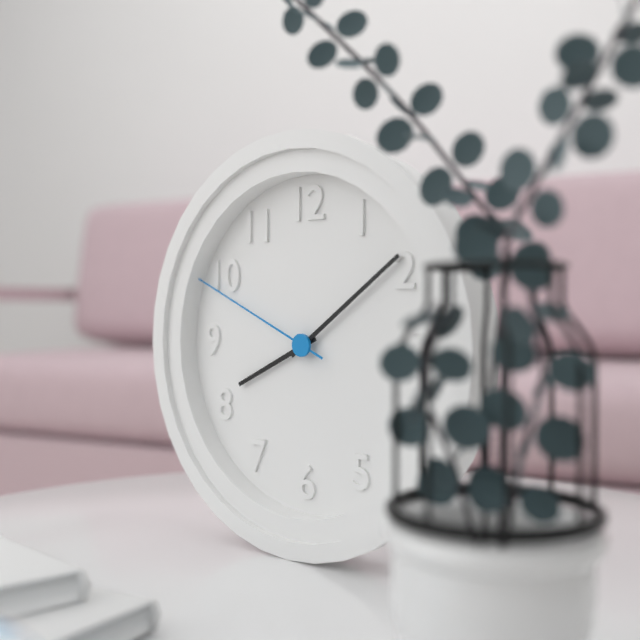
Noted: {"hour": 8, "minute": 9, "second": 49}
